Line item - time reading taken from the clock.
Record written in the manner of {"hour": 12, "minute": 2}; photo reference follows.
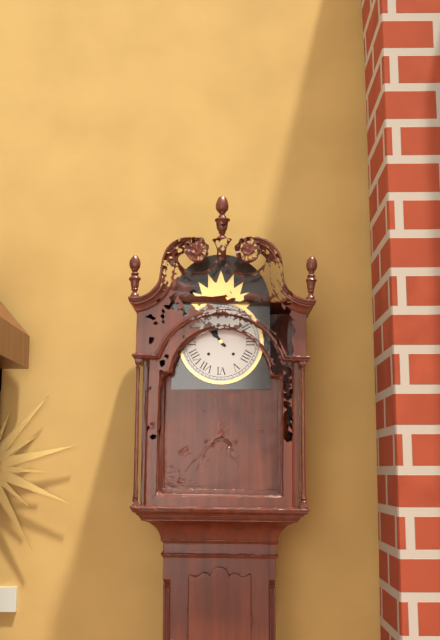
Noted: {"hour": 10, "minute": 53}
